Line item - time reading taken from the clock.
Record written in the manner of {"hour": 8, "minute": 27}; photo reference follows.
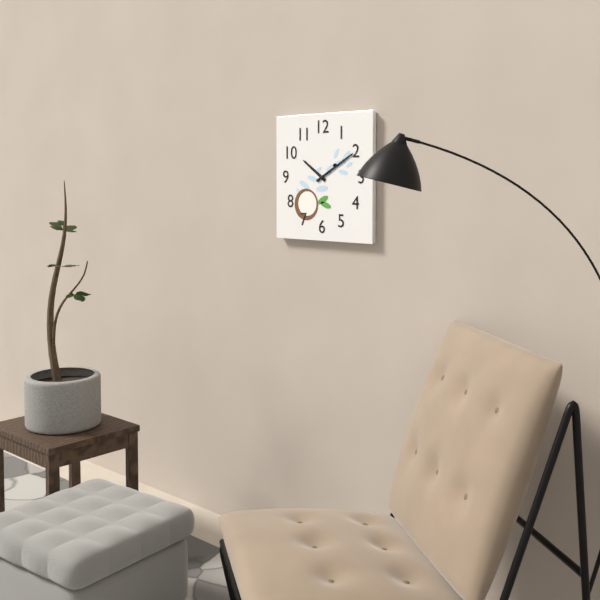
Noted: {"hour": 10, "minute": 10}
